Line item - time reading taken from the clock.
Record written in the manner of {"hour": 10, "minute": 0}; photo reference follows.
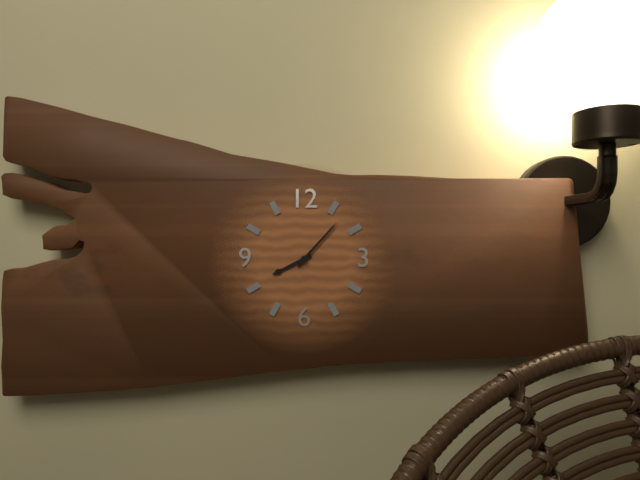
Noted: {"hour": 8, "minute": 7}
